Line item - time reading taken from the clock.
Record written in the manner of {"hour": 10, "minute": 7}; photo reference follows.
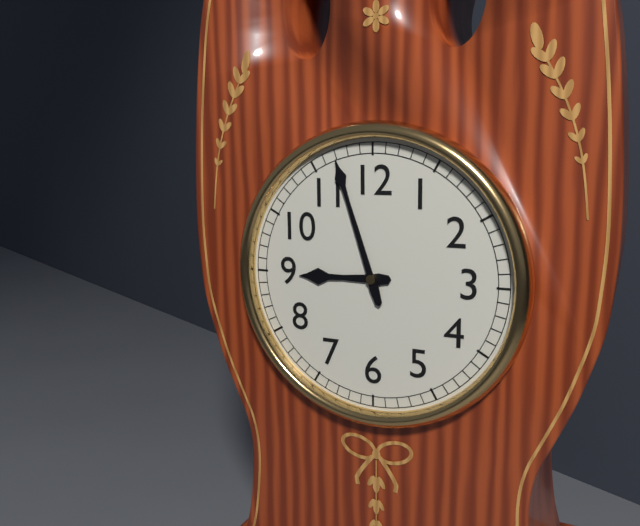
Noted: {"hour": 8, "minute": 57}
